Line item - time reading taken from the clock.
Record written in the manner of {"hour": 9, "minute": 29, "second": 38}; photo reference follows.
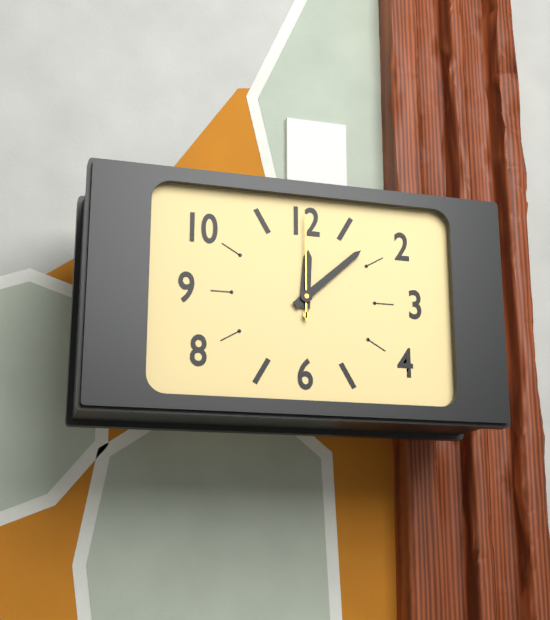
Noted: {"hour": 12, "minute": 8, "second": 0}
